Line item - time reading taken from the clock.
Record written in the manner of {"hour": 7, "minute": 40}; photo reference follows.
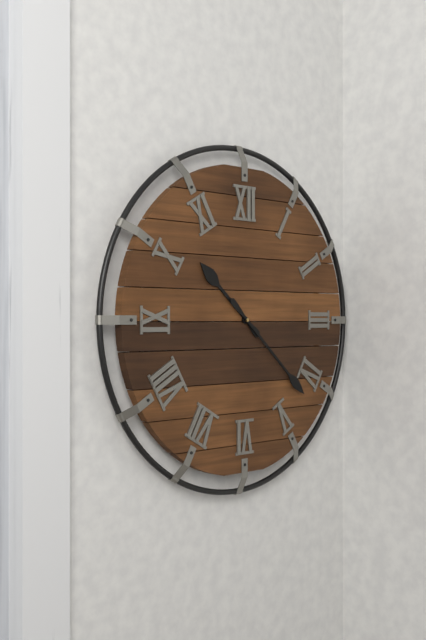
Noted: {"hour": 10, "minute": 22}
